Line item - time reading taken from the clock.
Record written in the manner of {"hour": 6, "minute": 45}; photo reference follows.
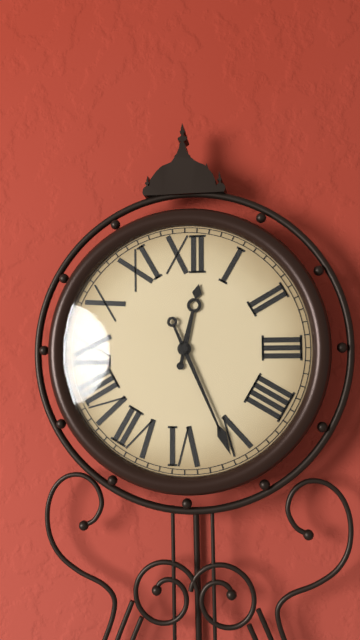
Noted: {"hour": 12, "minute": 26}
